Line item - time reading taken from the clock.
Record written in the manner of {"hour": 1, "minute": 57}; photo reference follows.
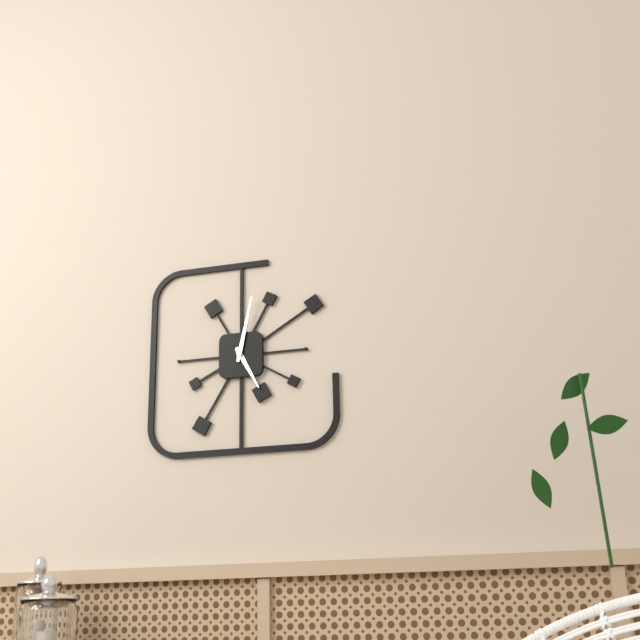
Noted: {"hour": 5, "minute": 2}
